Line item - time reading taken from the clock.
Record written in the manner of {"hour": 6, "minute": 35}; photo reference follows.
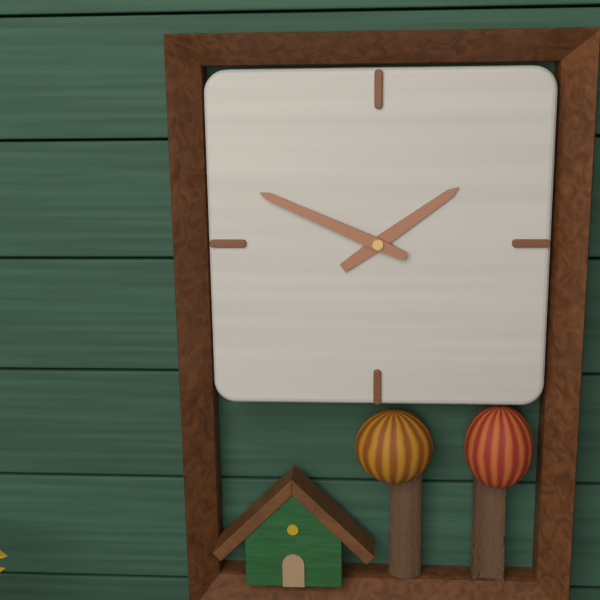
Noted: {"hour": 1, "minute": 49}
